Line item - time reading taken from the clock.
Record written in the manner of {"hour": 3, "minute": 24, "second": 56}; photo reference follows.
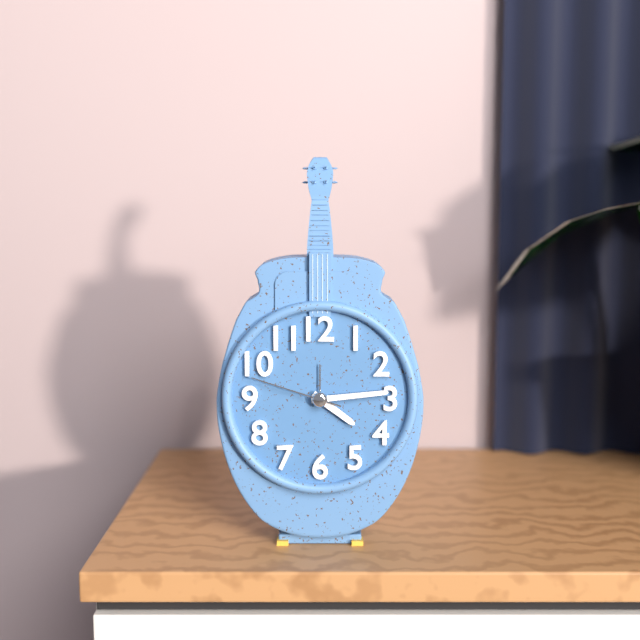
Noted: {"hour": 4, "minute": 14, "second": 48}
